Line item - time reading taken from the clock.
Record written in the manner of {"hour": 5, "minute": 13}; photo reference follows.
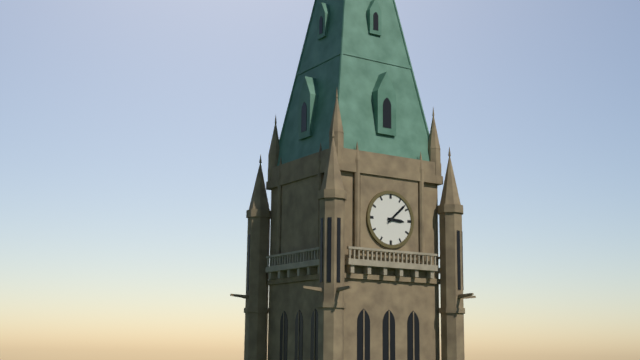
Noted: {"hour": 3, "minute": 8}
